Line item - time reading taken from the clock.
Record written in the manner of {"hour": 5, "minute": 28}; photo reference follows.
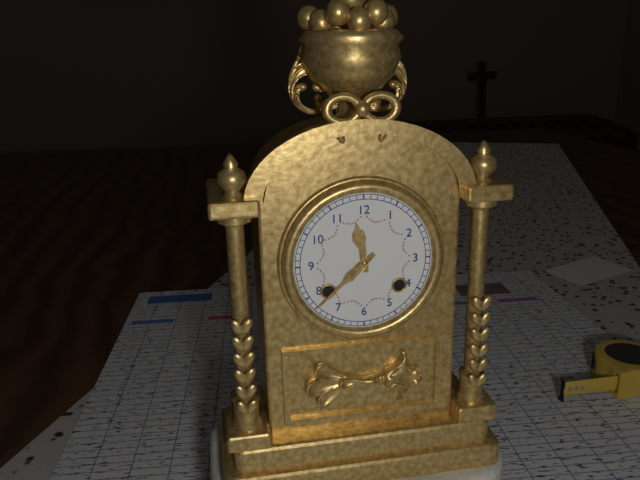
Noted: {"hour": 11, "minute": 38}
